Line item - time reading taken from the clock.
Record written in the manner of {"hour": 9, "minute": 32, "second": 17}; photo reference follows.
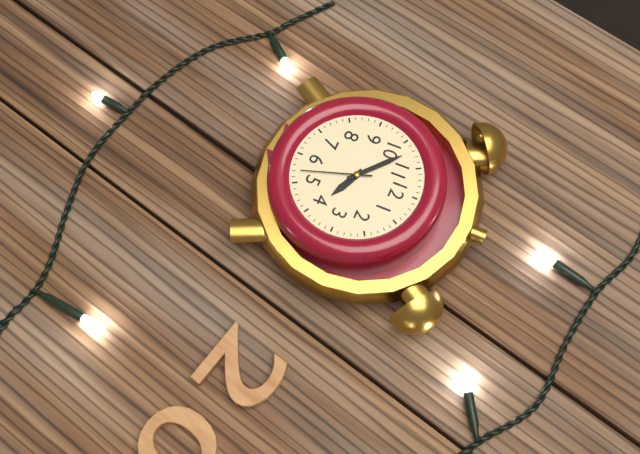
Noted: {"hour": 3, "minute": 52, "second": 27}
